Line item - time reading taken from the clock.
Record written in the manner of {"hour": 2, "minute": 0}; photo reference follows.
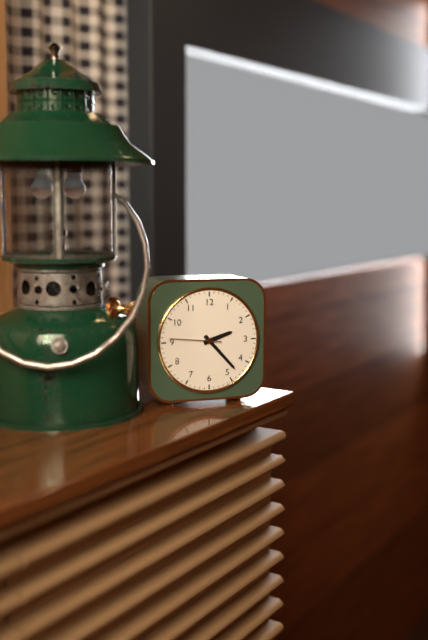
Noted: {"hour": 2, "minute": 23}
